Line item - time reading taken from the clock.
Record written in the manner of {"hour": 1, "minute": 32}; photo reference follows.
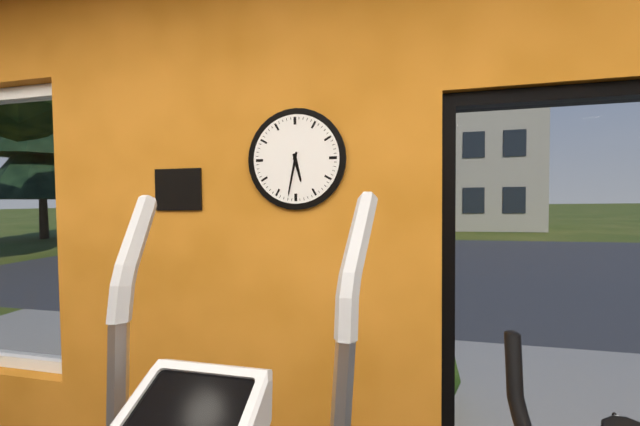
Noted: {"hour": 5, "minute": 32}
